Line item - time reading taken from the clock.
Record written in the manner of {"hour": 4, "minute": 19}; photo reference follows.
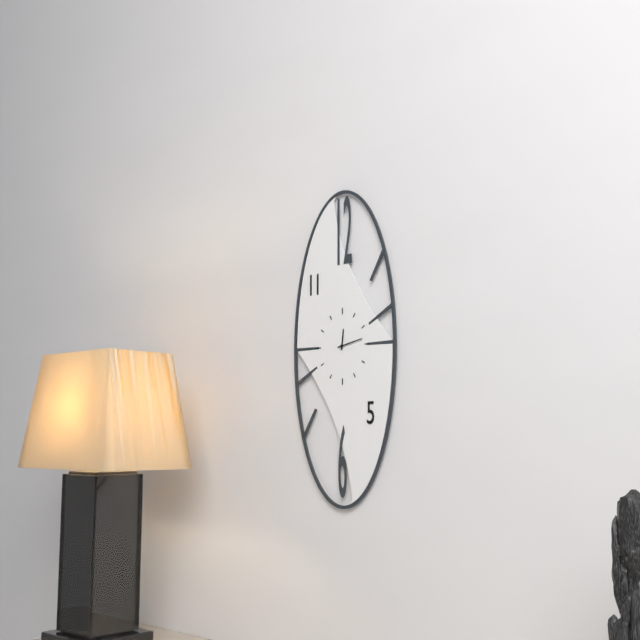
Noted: {"hour": 12, "minute": 13}
